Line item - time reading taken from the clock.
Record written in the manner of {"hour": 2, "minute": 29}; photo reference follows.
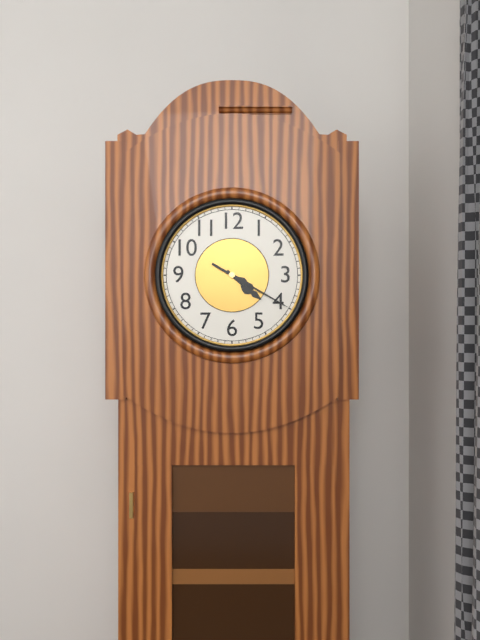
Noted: {"hour": 4, "minute": 20}
